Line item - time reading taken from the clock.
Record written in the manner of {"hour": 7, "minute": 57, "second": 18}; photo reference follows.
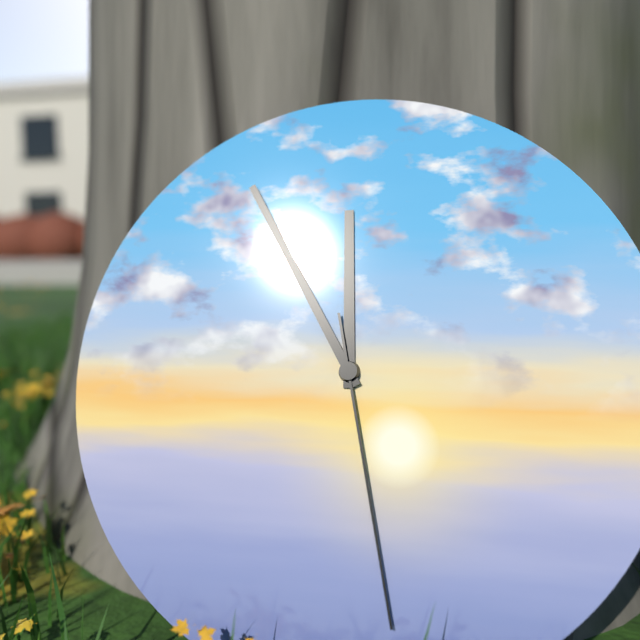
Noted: {"hour": 11, "minute": 55, "second": 28}
